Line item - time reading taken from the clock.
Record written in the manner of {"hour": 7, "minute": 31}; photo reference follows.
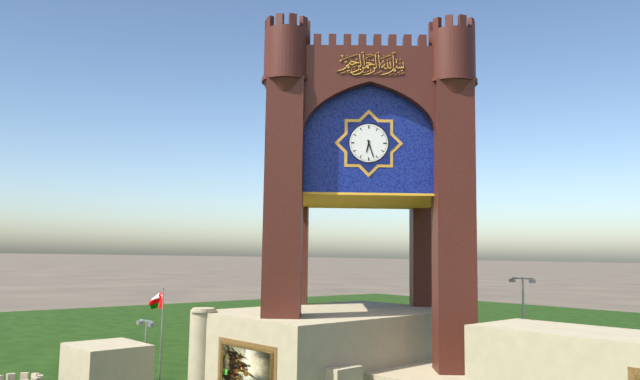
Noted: {"hour": 6, "minute": 27}
